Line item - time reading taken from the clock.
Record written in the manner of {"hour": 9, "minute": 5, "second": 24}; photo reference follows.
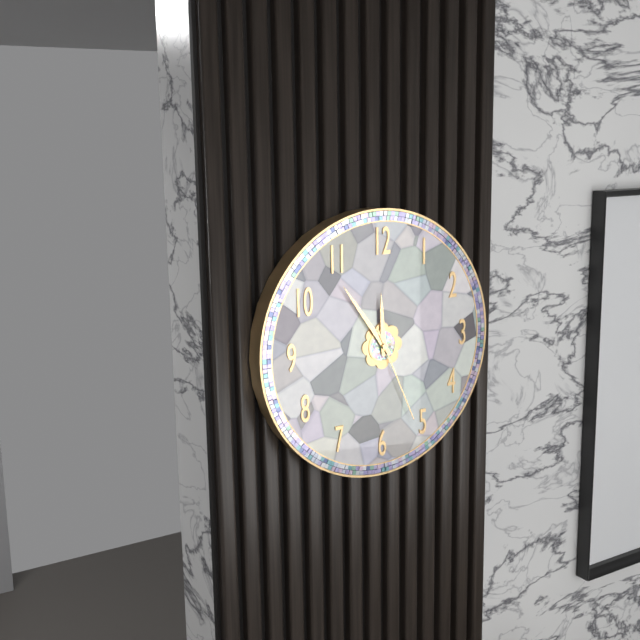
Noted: {"hour": 11, "minute": 54, "second": 26}
